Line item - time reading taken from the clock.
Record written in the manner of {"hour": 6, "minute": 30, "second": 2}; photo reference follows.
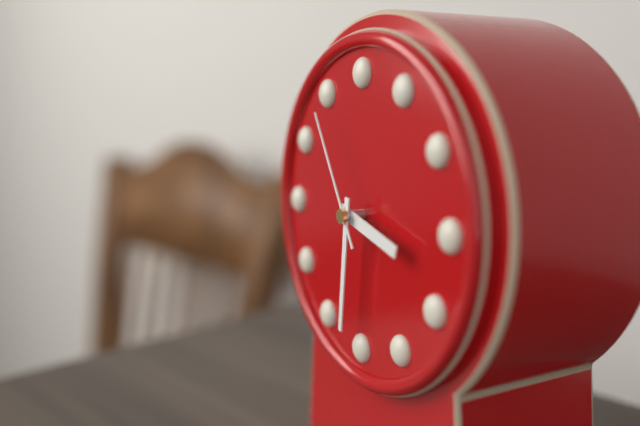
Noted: {"hour": 3, "minute": 31, "second": 55}
